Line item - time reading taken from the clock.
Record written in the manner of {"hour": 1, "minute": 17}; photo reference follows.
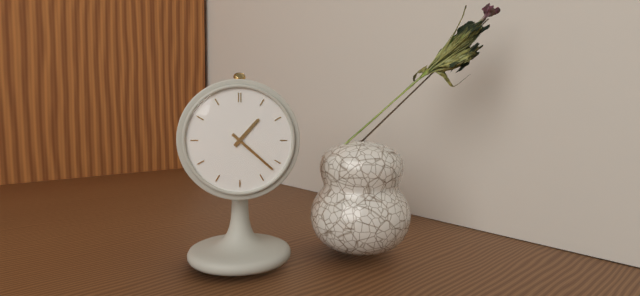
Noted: {"hour": 1, "minute": 22}
